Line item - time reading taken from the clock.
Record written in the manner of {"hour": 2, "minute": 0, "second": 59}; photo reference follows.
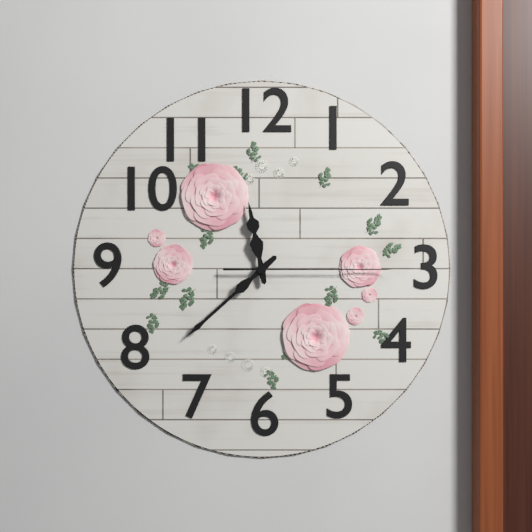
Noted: {"hour": 11, "minute": 38, "second": 15}
